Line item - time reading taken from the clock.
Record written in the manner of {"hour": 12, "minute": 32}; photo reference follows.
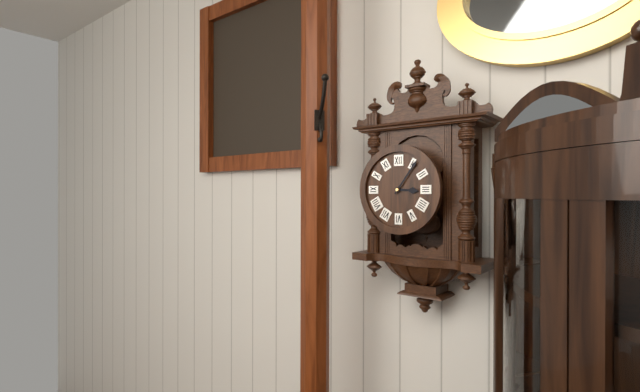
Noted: {"hour": 3, "minute": 6}
